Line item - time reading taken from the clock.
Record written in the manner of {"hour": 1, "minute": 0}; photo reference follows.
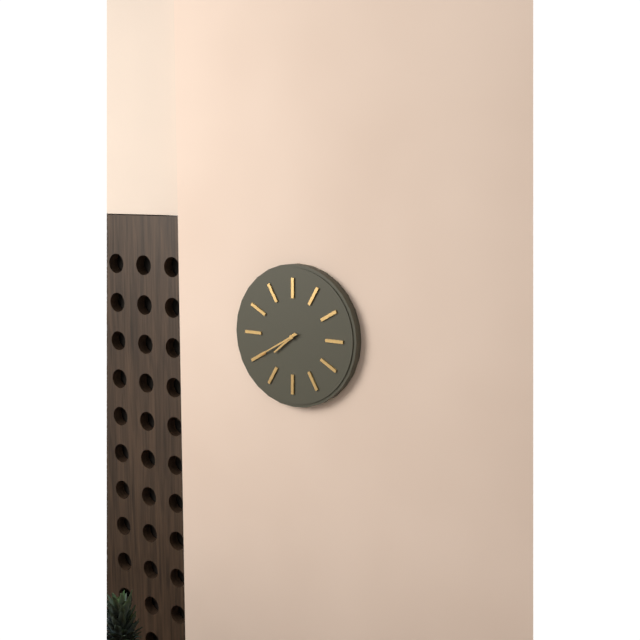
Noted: {"hour": 7, "minute": 40}
